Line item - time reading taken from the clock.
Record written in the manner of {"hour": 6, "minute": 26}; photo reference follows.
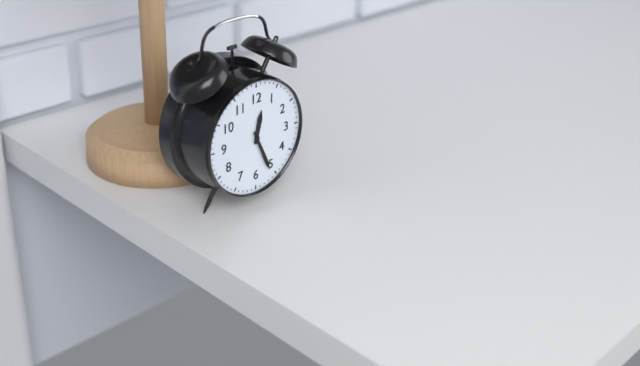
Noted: {"hour": 12, "minute": 26}
